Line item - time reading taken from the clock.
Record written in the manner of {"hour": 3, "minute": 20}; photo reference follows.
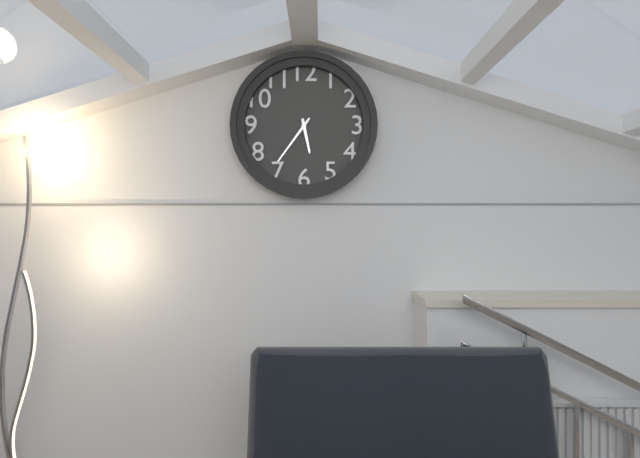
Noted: {"hour": 5, "minute": 36}
